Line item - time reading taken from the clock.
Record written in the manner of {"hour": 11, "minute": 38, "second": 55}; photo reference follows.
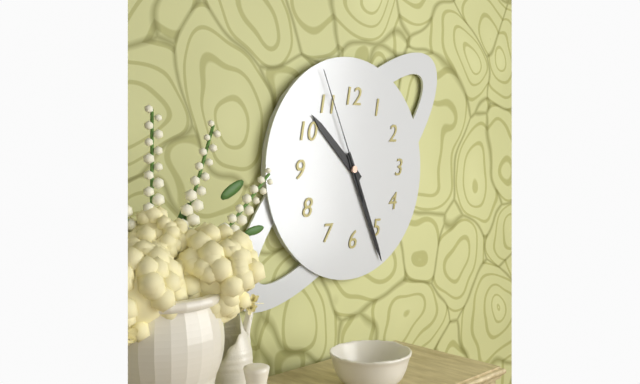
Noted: {"hour": 10, "minute": 26, "second": 56}
